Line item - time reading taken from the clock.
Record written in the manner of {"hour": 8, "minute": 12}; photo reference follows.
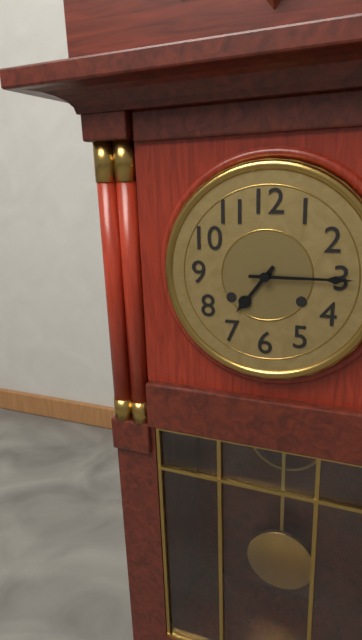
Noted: {"hour": 7, "minute": 15}
